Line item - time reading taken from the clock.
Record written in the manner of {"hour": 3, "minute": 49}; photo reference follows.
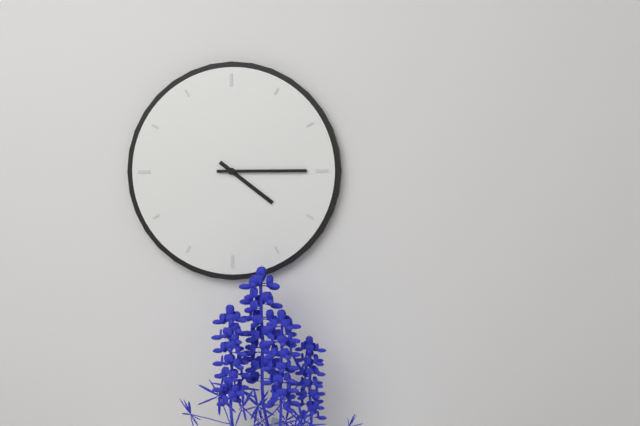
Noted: {"hour": 4, "minute": 15}
